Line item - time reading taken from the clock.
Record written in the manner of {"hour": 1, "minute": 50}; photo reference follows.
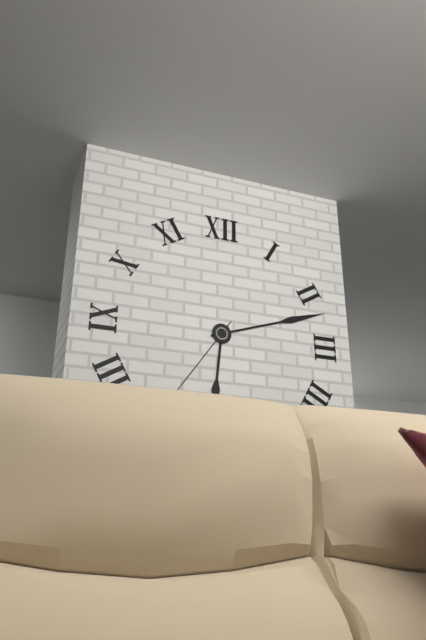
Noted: {"hour": 6, "minute": 12}
